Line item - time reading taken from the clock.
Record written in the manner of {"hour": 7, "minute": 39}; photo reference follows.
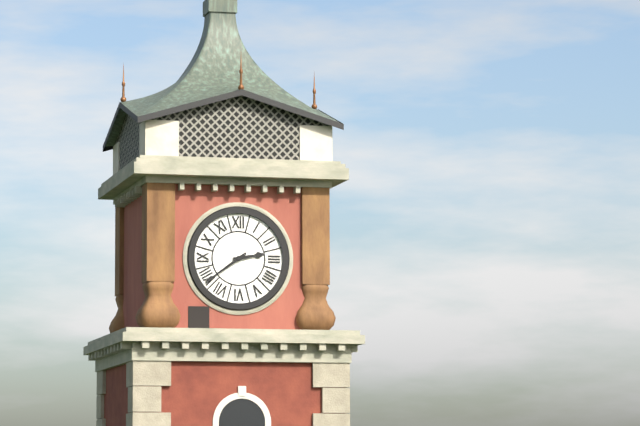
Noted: {"hour": 2, "minute": 39}
